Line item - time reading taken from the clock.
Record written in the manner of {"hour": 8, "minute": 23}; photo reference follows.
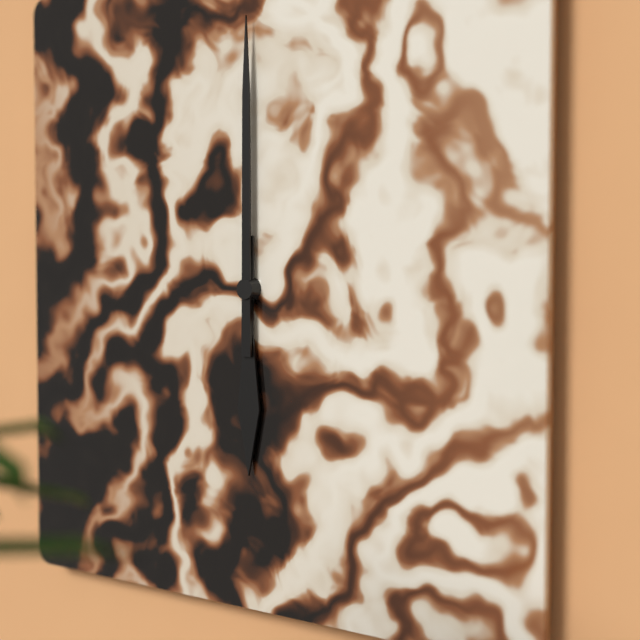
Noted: {"hour": 6, "minute": 0}
